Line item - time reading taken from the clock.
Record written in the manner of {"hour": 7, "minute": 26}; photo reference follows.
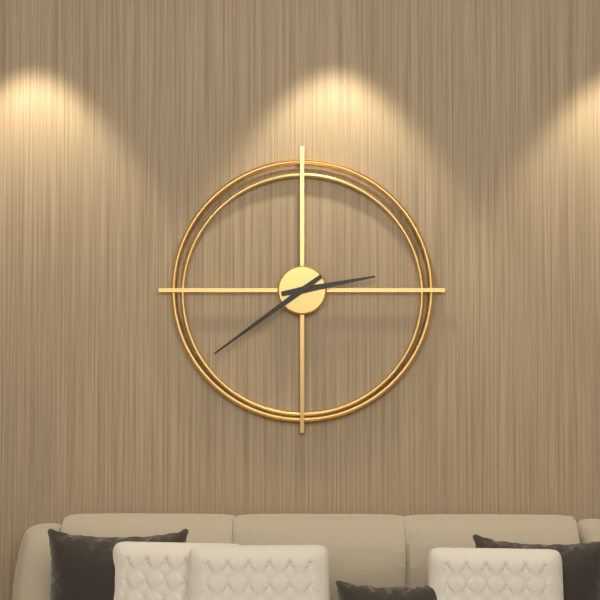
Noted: {"hour": 2, "minute": 39}
